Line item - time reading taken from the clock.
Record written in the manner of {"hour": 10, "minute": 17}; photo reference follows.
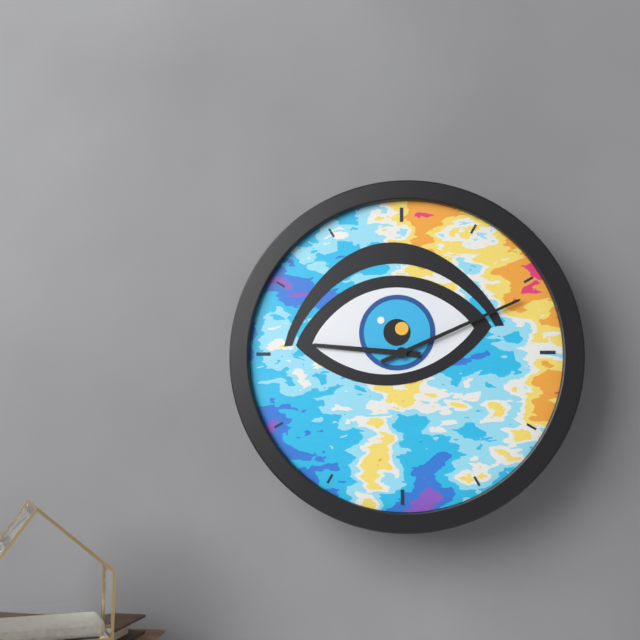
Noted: {"hour": 9, "minute": 11}
